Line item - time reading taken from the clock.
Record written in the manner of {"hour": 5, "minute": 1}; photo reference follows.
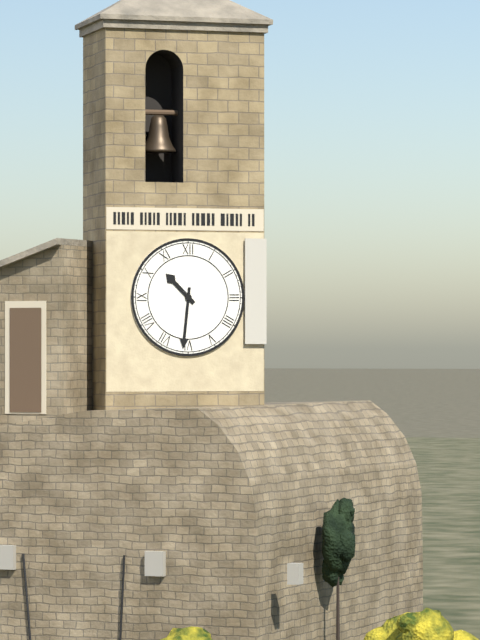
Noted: {"hour": 10, "minute": 31}
